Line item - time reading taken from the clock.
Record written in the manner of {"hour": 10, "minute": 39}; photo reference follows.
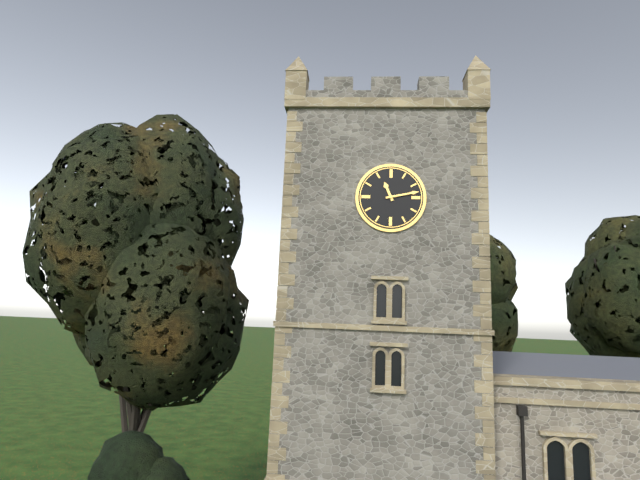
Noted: {"hour": 11, "minute": 13}
